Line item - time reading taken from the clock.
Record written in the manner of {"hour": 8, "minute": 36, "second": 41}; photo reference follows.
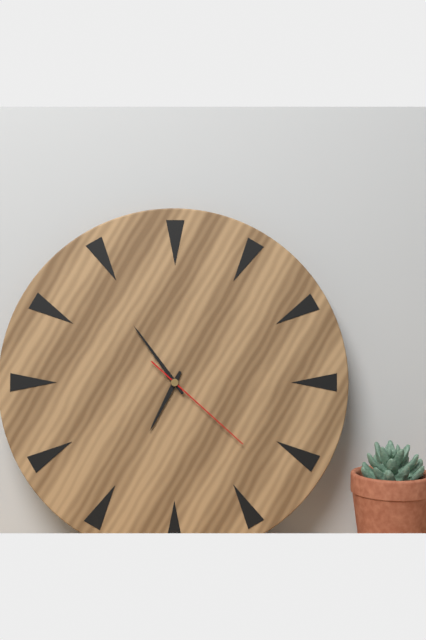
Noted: {"hour": 6, "minute": 54, "second": 22}
